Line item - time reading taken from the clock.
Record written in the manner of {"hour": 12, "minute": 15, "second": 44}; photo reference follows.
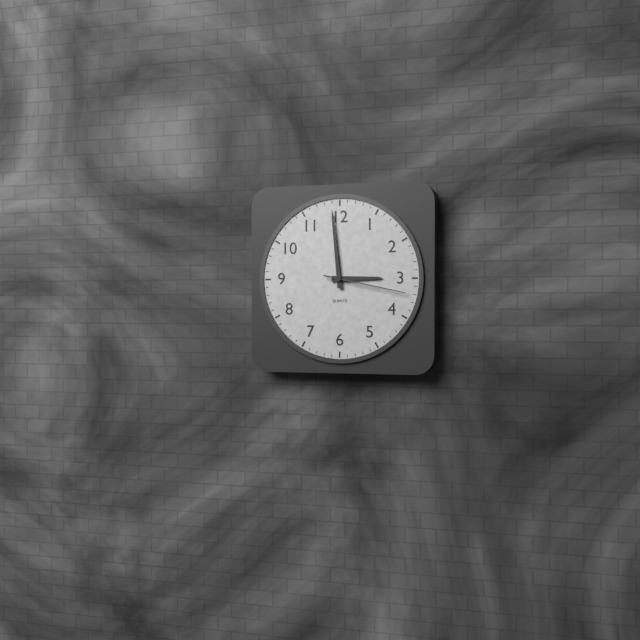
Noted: {"hour": 2, "minute": 59, "second": 17}
